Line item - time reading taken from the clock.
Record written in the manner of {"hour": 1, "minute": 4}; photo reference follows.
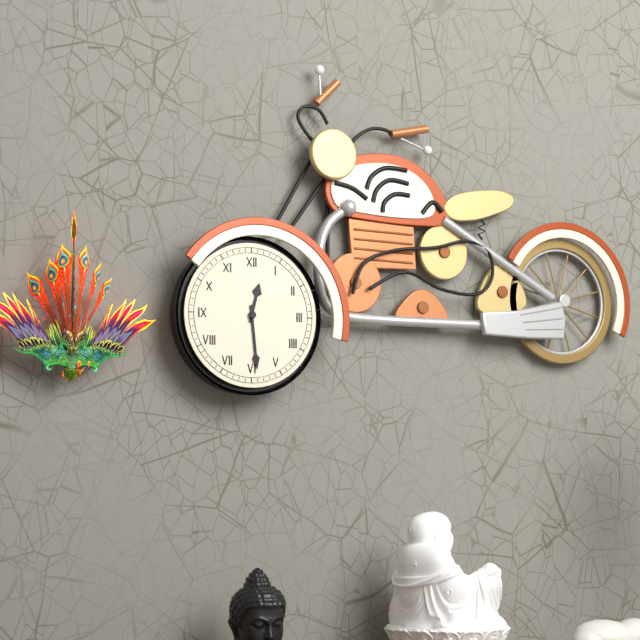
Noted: {"hour": 12, "minute": 29}
